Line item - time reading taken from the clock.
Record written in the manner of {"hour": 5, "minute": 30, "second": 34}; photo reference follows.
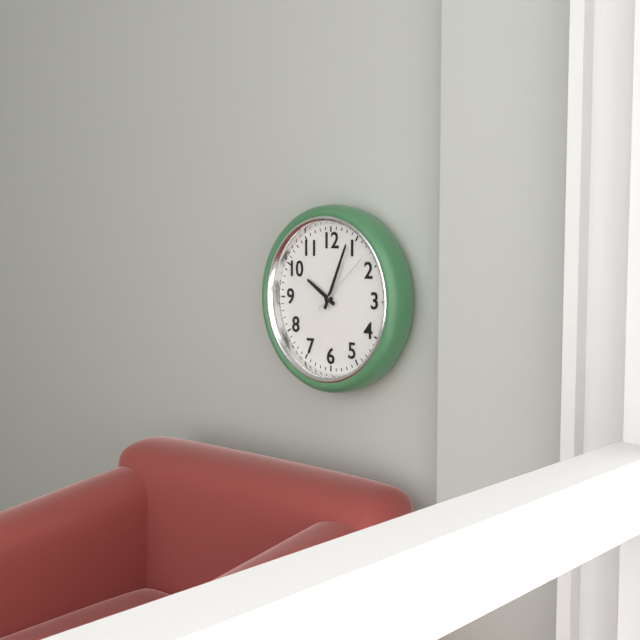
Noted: {"hour": 10, "minute": 4, "second": 8}
